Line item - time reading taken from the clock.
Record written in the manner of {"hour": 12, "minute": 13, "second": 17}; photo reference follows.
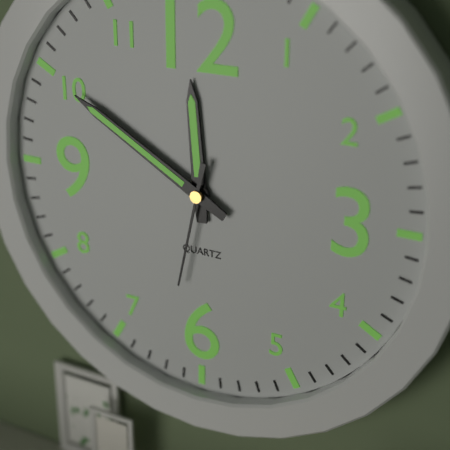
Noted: {"hour": 11, "minute": 50, "second": 32}
